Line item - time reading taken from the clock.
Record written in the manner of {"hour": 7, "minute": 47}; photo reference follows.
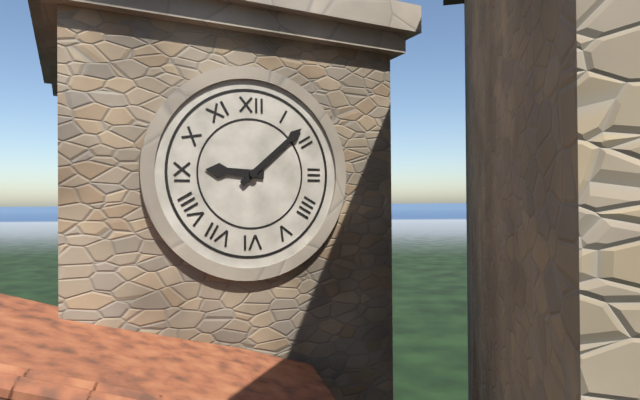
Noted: {"hour": 9, "minute": 8}
